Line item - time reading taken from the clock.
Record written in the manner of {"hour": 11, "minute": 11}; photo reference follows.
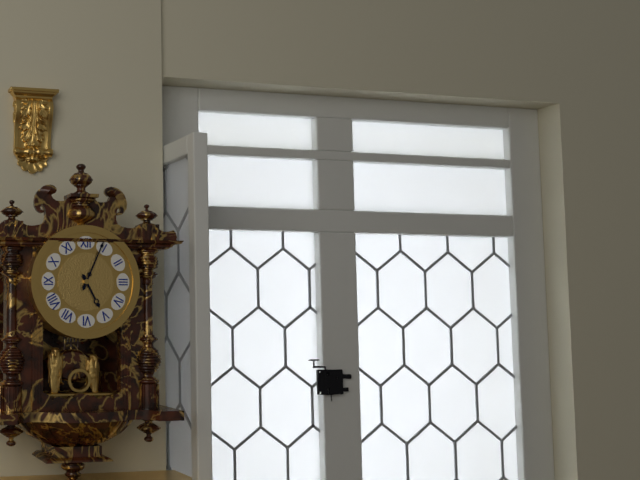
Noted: {"hour": 5, "minute": 4}
